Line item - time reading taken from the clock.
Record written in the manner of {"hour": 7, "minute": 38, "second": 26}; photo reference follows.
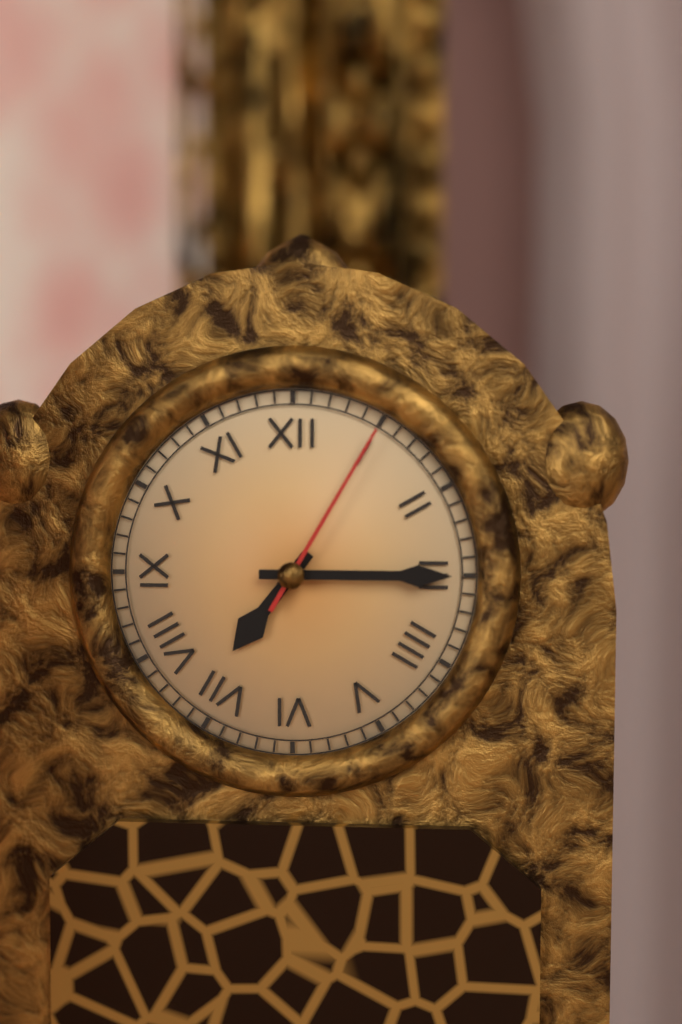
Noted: {"hour": 7, "minute": 15, "second": 5}
